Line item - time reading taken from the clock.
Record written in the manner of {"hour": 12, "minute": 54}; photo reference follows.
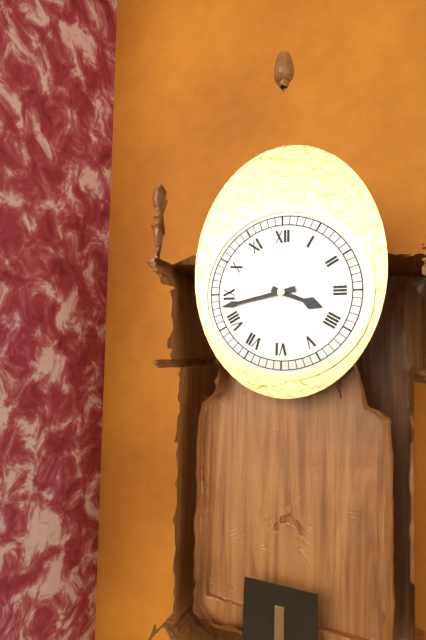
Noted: {"hour": 3, "minute": 43}
